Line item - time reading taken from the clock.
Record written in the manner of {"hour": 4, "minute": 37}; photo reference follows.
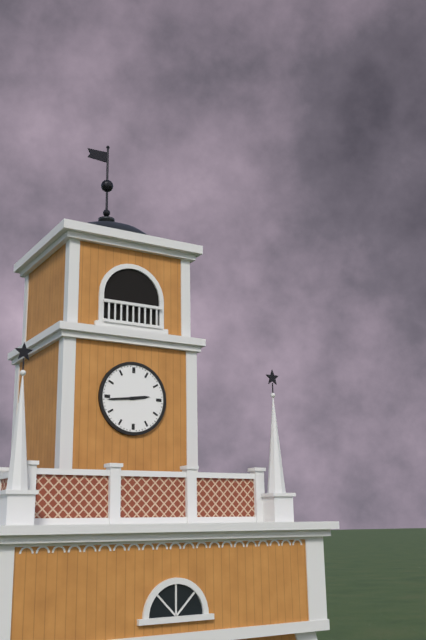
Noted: {"hour": 2, "minute": 44}
